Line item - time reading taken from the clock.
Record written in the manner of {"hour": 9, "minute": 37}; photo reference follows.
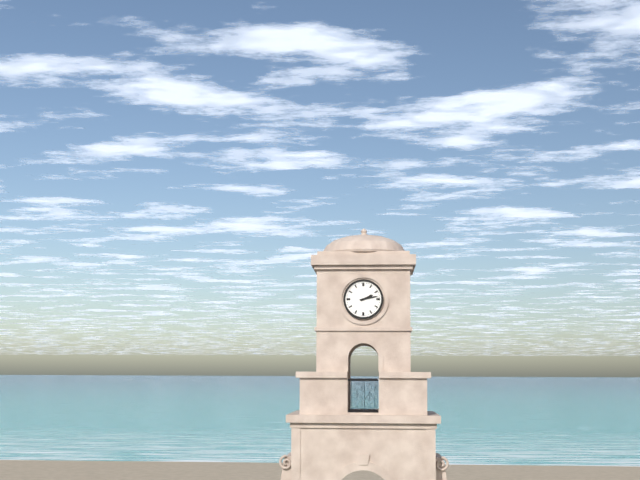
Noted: {"hour": 2, "minute": 13}
